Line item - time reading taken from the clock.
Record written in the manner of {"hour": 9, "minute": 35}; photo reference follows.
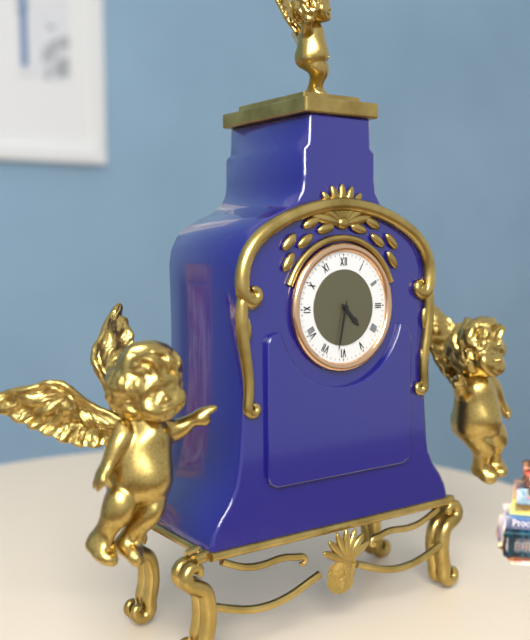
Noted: {"hour": 4, "minute": 32}
